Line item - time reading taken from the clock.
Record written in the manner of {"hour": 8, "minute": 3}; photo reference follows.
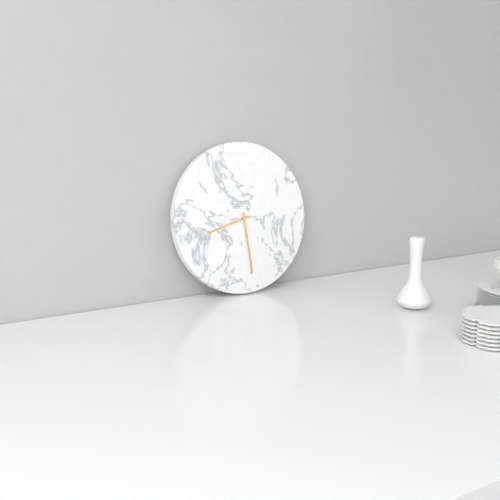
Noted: {"hour": 8, "minute": 29}
